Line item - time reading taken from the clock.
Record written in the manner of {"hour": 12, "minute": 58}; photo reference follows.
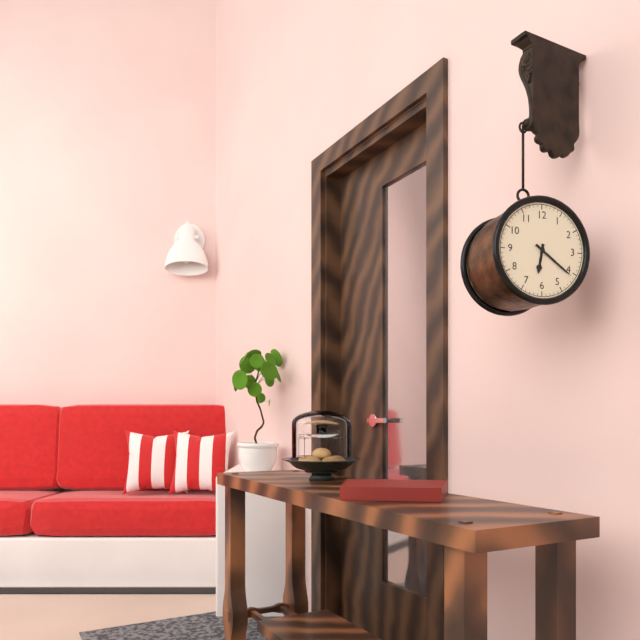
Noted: {"hour": 6, "minute": 21}
